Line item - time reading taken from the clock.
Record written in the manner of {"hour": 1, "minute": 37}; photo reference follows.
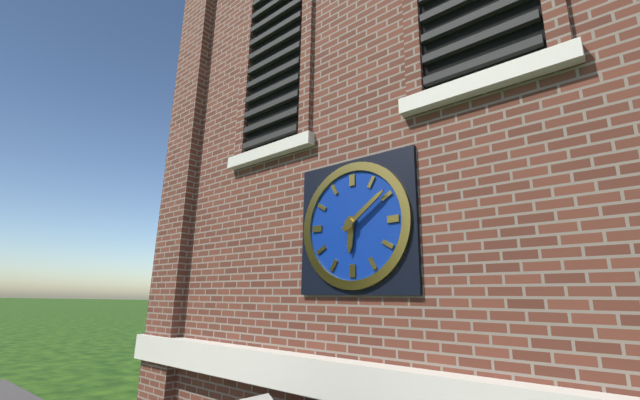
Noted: {"hour": 6, "minute": 9}
